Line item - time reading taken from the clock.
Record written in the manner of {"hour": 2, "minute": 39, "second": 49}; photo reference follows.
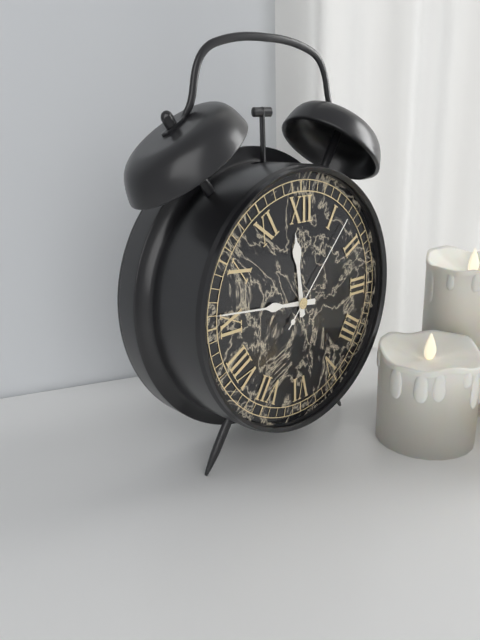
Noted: {"hour": 11, "minute": 46, "second": 7}
